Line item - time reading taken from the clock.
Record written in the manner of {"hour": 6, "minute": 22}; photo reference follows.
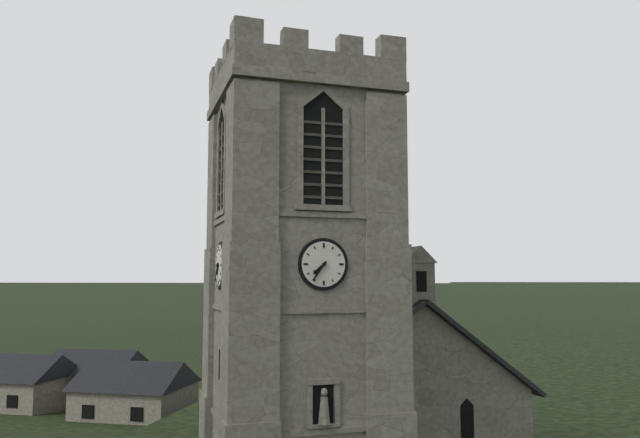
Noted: {"hour": 7, "minute": 36}
